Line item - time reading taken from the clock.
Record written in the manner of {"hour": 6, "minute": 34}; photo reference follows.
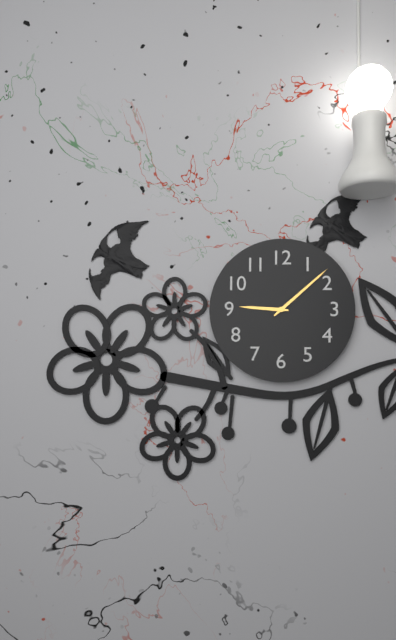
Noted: {"hour": 9, "minute": 8}
